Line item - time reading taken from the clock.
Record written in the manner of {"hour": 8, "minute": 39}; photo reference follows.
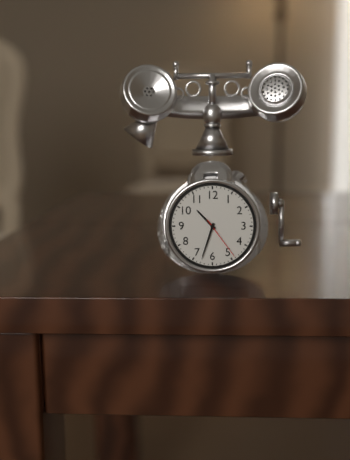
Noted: {"hour": 10, "minute": 33}
